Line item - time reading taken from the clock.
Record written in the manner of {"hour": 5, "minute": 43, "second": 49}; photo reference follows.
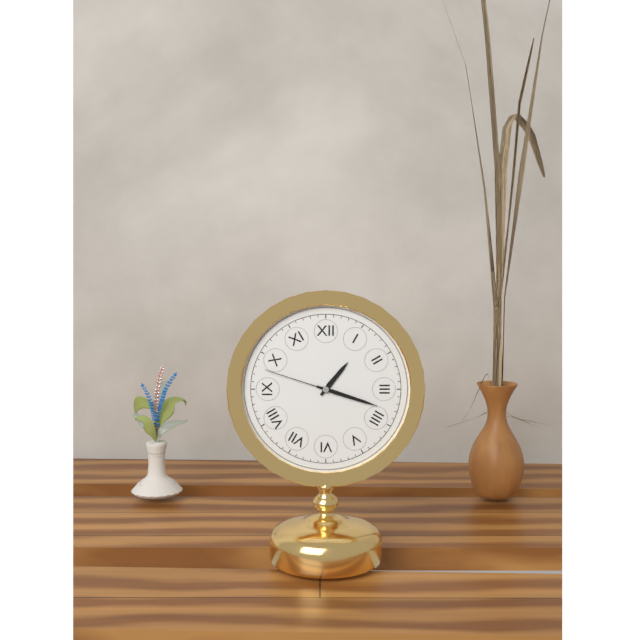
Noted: {"hour": 1, "minute": 18, "second": 48}
